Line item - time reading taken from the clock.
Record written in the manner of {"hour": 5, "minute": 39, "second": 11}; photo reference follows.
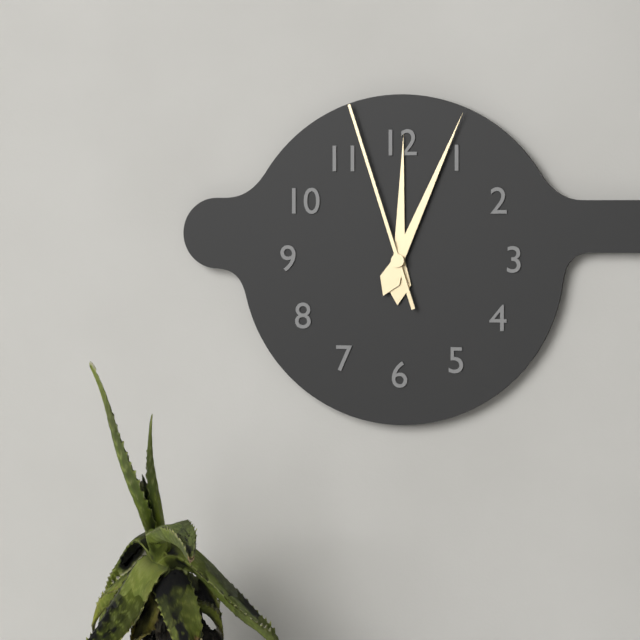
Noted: {"hour": 12, "minute": 4, "second": 57}
